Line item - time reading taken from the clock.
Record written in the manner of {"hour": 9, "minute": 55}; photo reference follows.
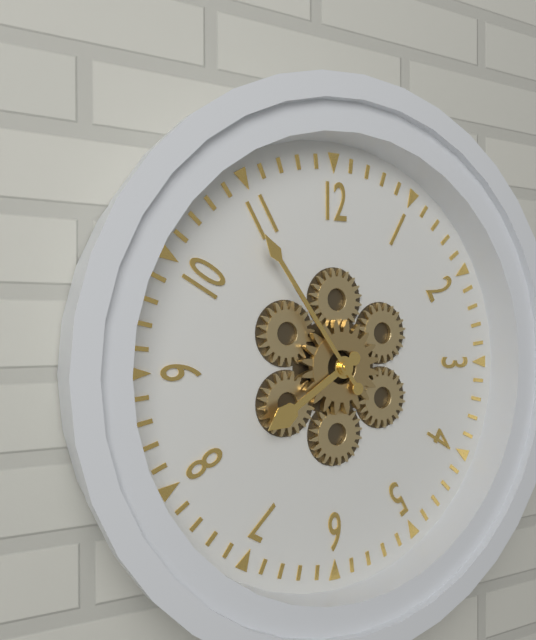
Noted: {"hour": 7, "minute": 54}
